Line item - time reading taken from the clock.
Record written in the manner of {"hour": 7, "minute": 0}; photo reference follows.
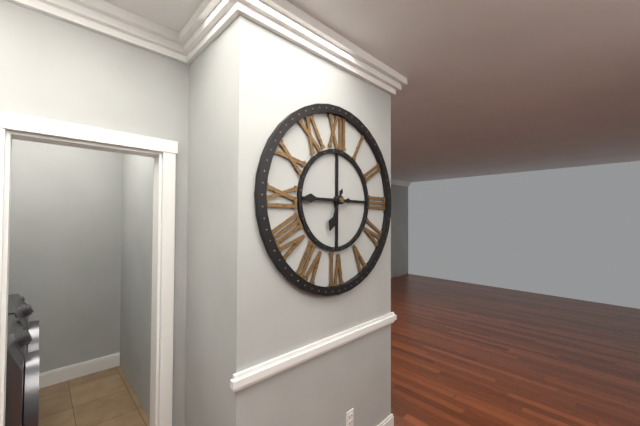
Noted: {"hour": 6, "minute": 45}
